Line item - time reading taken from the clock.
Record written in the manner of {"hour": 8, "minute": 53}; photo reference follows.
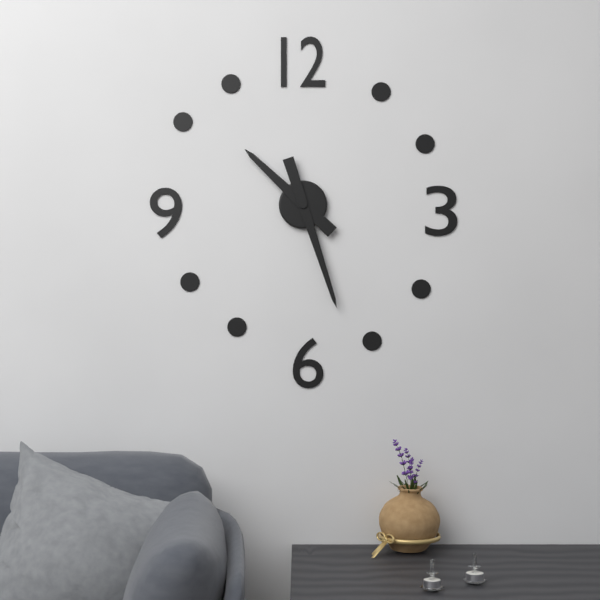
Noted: {"hour": 10, "minute": 27}
